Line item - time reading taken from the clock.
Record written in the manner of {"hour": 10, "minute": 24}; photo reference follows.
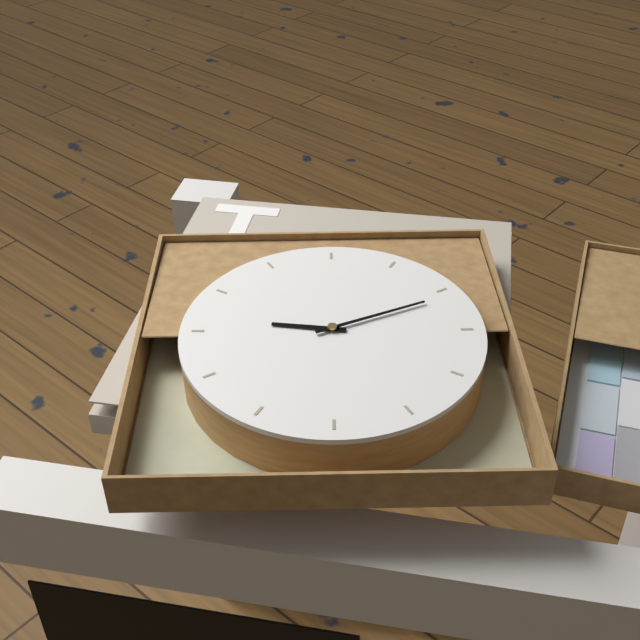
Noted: {"hour": 10, "minute": 16}
